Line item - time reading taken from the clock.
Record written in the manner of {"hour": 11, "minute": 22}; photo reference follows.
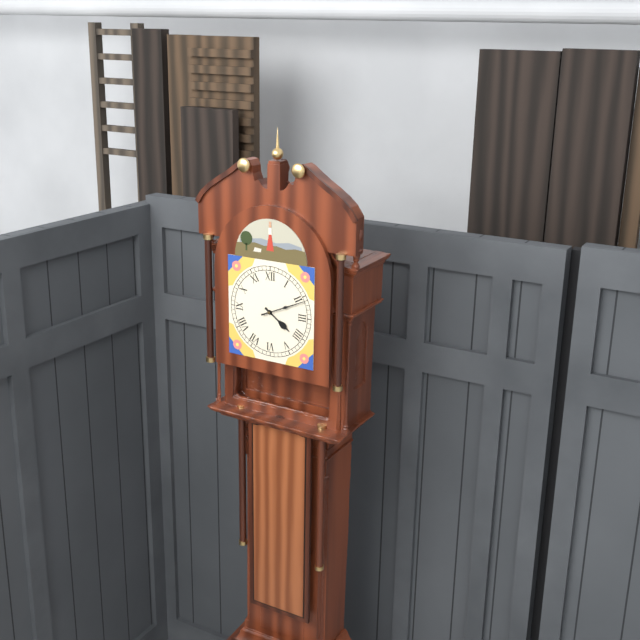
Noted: {"hour": 4, "minute": 11}
